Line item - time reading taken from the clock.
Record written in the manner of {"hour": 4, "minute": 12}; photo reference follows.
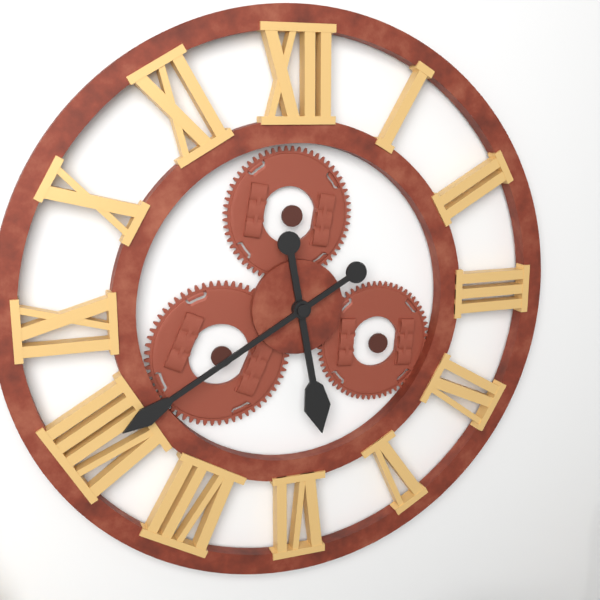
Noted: {"hour": 5, "minute": 40}
